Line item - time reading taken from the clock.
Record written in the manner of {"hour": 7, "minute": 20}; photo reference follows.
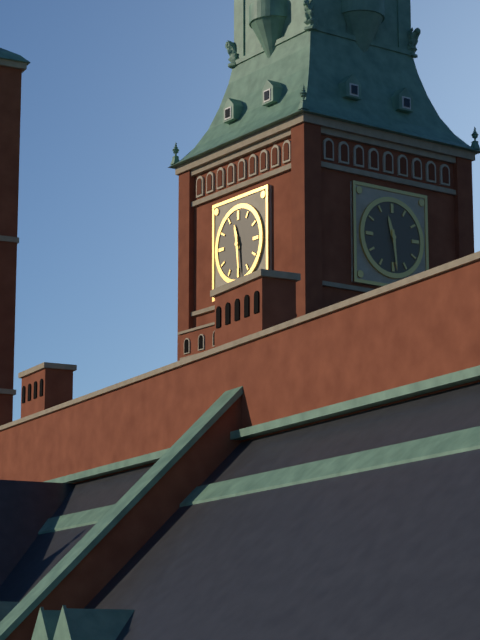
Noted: {"hour": 11, "minute": 29}
